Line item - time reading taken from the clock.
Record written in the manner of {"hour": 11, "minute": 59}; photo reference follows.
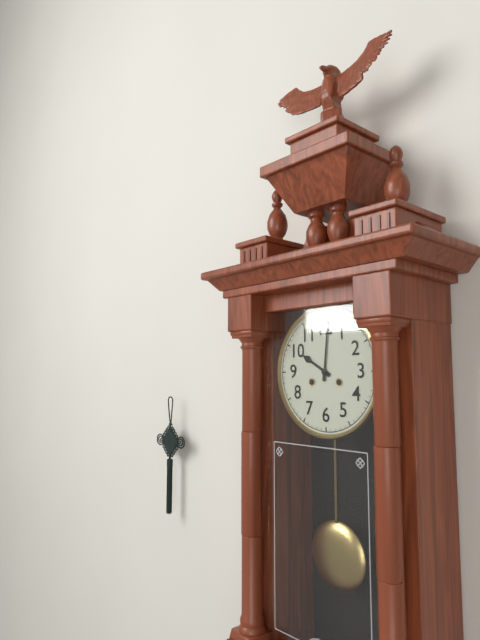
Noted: {"hour": 10, "minute": 1}
